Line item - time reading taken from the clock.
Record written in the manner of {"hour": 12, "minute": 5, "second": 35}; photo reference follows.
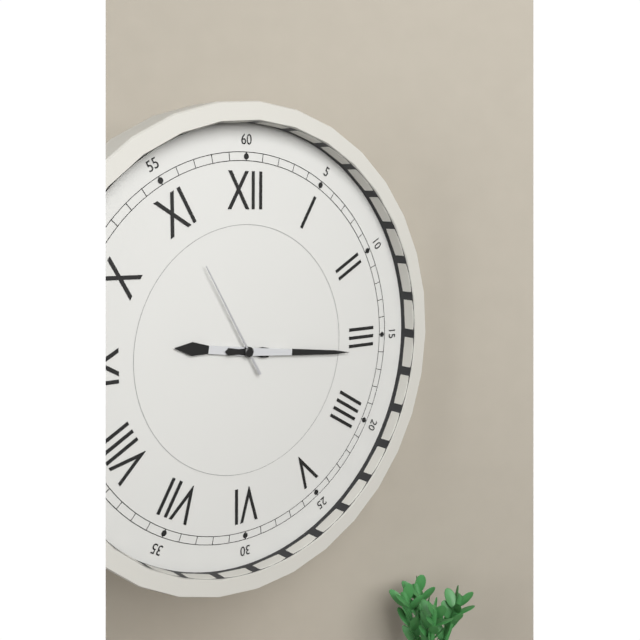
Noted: {"hour": 9, "minute": 16, "second": 55}
